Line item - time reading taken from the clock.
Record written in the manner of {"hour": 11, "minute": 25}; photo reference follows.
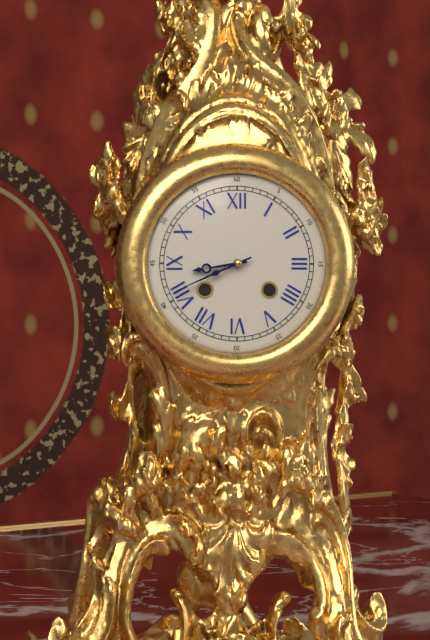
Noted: {"hour": 8, "minute": 41}
